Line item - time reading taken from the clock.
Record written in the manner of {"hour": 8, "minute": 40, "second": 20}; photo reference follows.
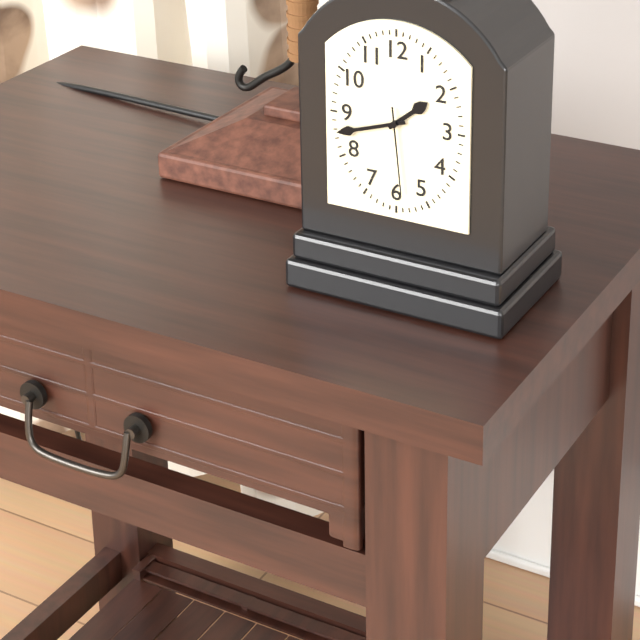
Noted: {"hour": 1, "minute": 42, "second": 29}
